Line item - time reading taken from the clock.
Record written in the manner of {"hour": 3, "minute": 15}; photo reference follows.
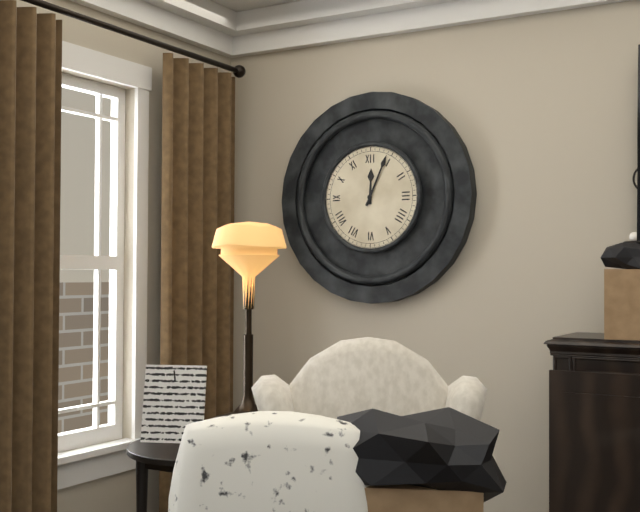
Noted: {"hour": 12, "minute": 4}
